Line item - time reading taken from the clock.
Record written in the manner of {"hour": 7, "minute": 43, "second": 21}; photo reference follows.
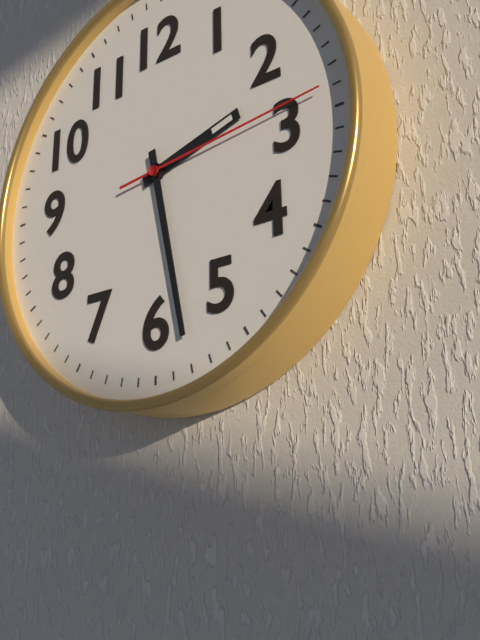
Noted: {"hour": 2, "minute": 28, "second": 14}
